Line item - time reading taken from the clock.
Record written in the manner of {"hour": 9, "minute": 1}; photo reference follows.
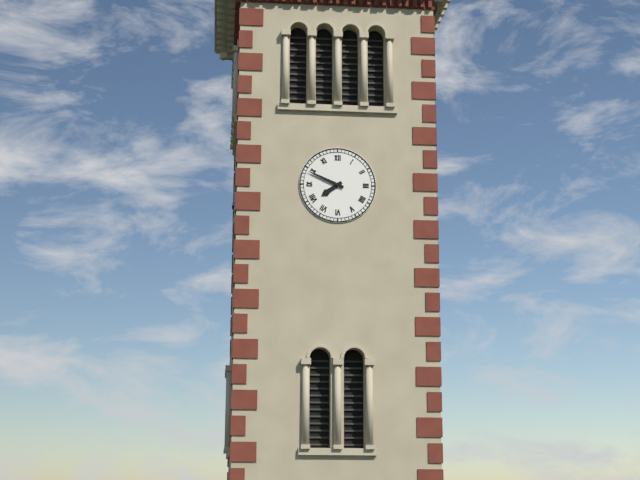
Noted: {"hour": 7, "minute": 49}
